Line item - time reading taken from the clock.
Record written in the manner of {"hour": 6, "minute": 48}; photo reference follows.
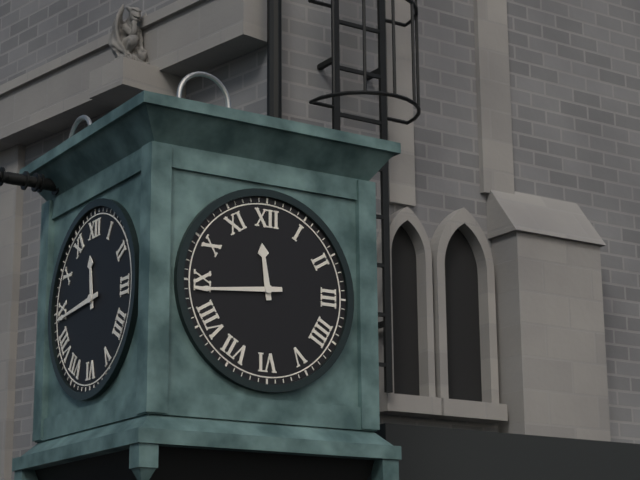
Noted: {"hour": 11, "minute": 44}
